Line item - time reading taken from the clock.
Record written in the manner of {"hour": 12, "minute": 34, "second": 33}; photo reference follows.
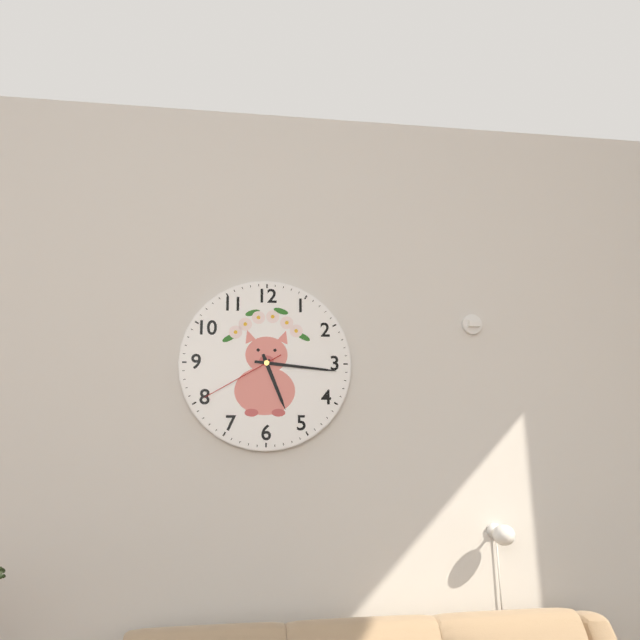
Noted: {"hour": 5, "minute": 16, "second": 40}
